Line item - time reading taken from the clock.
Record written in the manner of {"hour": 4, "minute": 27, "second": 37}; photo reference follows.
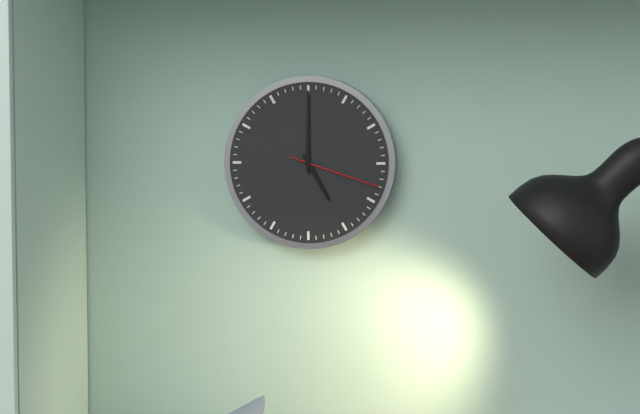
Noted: {"hour": 5, "minute": 0, "second": 18}
